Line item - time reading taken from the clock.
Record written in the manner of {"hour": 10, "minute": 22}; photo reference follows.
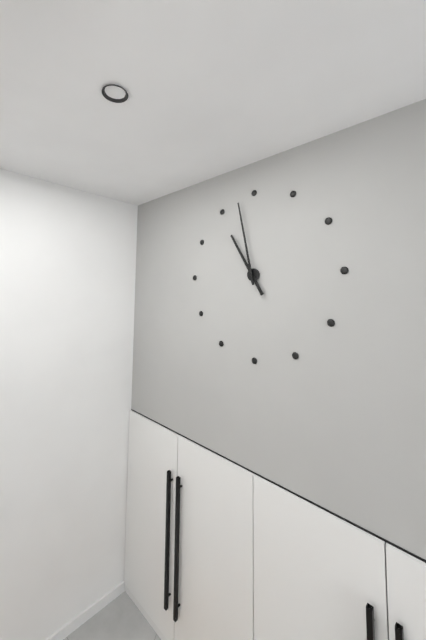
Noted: {"hour": 10, "minute": 58}
